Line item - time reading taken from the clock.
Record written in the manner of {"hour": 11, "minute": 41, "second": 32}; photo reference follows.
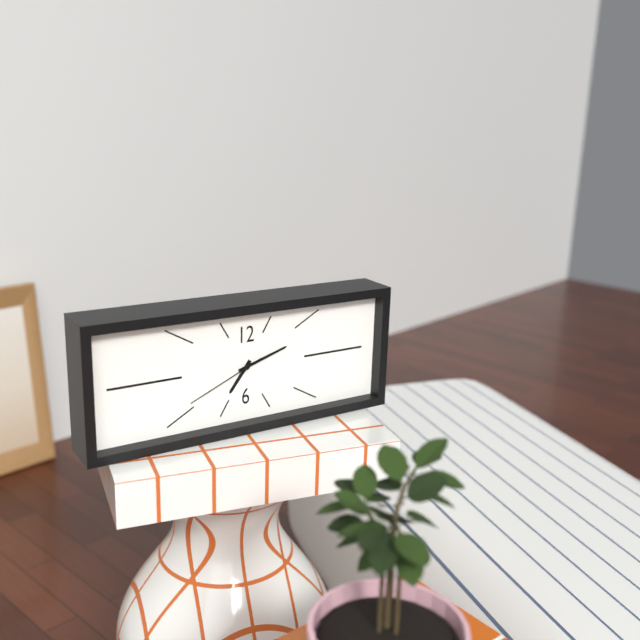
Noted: {"hour": 7, "minute": 12, "second": 41}
